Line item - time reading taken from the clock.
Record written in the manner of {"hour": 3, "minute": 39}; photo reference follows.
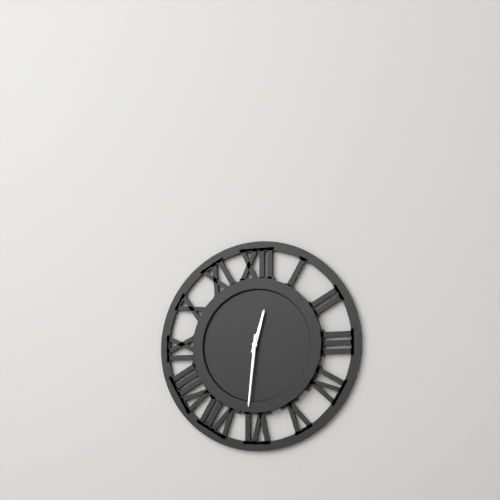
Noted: {"hour": 12, "minute": 31}
